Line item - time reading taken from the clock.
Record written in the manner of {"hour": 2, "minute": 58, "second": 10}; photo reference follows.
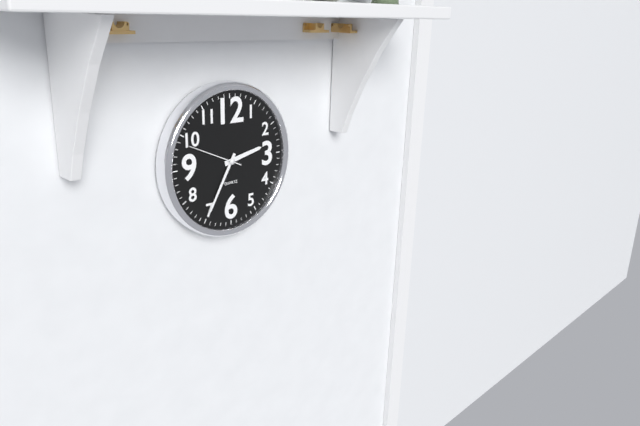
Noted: {"hour": 2, "minute": 35, "second": 49}
